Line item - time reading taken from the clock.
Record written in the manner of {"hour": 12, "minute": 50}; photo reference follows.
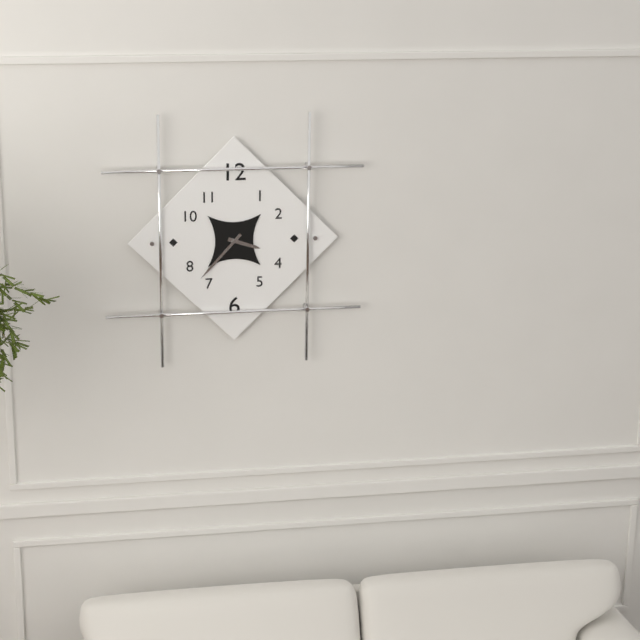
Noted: {"hour": 3, "minute": 37}
